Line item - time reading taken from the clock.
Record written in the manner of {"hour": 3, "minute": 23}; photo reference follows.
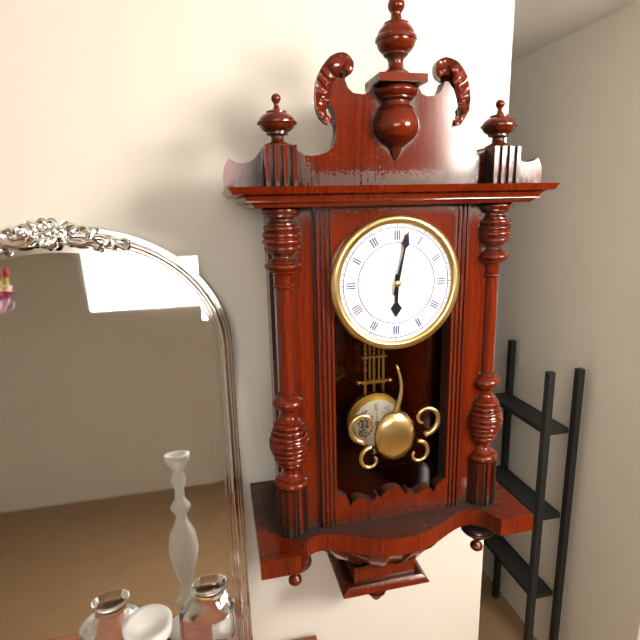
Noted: {"hour": 6, "minute": 2}
